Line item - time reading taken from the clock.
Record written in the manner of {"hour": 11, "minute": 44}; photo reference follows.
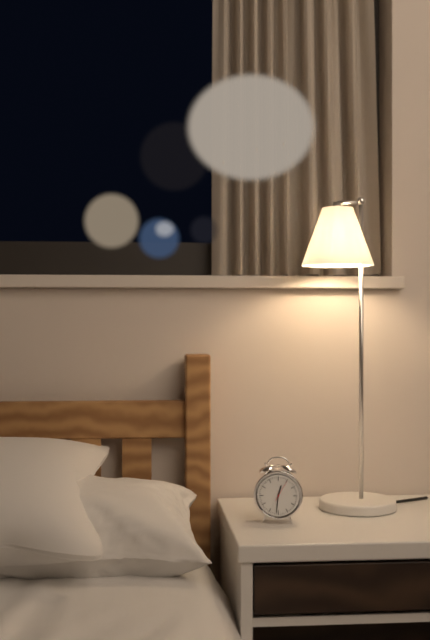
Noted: {"hour": 12, "minute": 31}
